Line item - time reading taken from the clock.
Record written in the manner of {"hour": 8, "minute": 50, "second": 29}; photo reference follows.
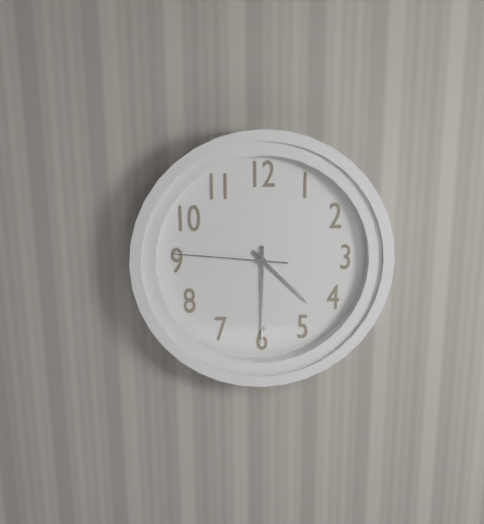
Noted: {"hour": 4, "minute": 30, "second": 46}
